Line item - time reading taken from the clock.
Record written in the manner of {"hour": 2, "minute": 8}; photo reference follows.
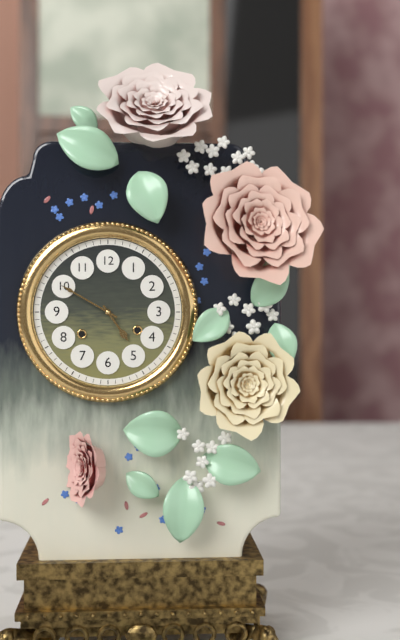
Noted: {"hour": 4, "minute": 50}
